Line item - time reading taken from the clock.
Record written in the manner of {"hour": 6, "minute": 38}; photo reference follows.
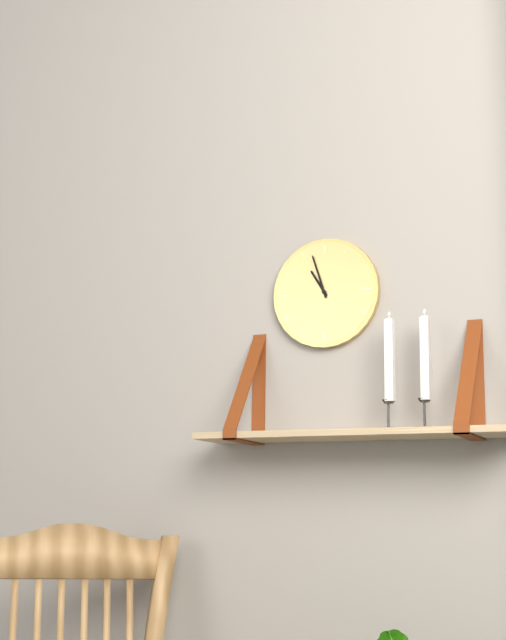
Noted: {"hour": 10, "minute": 57}
